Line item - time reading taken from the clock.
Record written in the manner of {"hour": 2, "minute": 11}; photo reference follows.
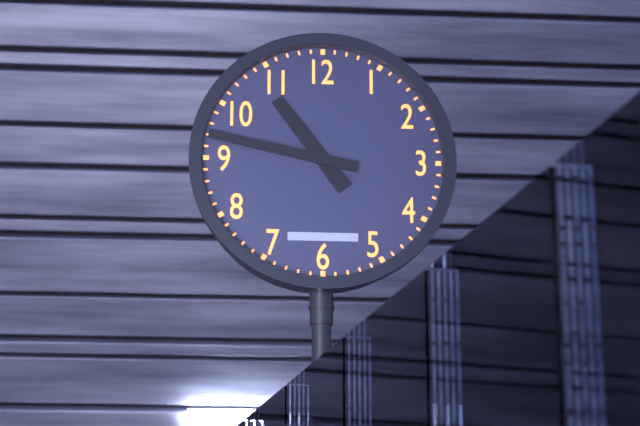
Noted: {"hour": 10, "minute": 47}
